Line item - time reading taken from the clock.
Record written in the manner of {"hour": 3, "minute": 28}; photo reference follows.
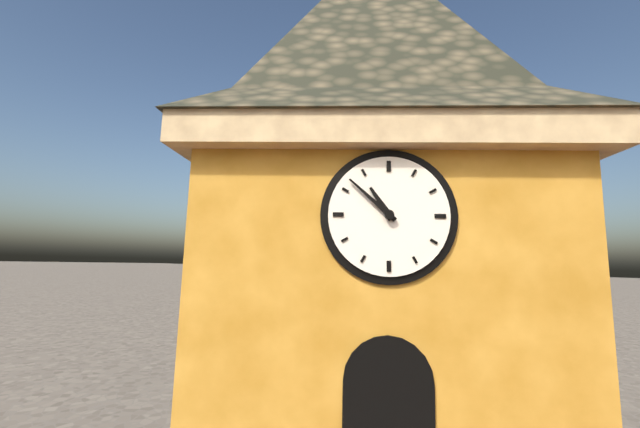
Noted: {"hour": 10, "minute": 52}
